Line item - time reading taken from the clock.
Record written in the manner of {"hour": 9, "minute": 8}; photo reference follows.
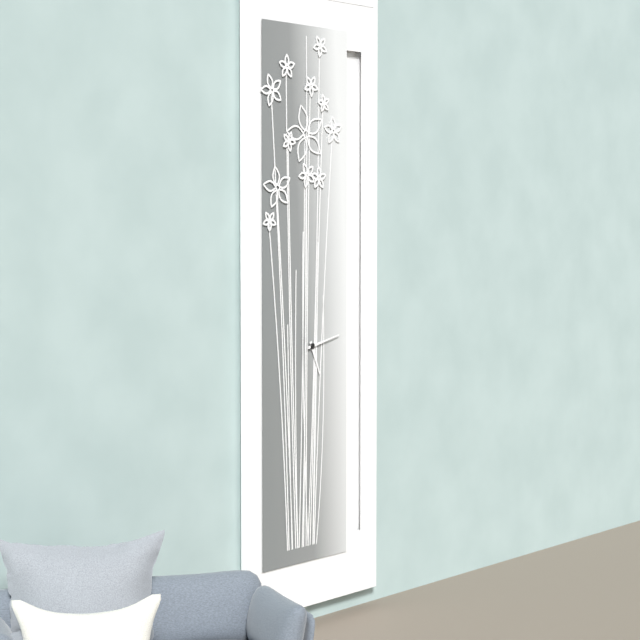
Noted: {"hour": 5, "minute": 13}
